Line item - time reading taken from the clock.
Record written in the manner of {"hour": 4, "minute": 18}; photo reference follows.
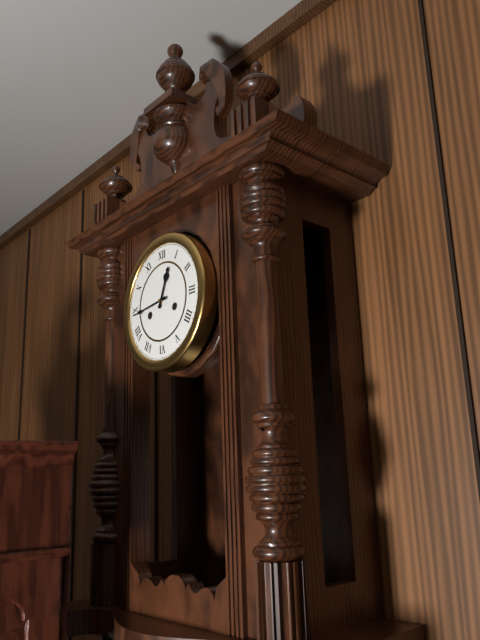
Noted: {"hour": 12, "minute": 44}
